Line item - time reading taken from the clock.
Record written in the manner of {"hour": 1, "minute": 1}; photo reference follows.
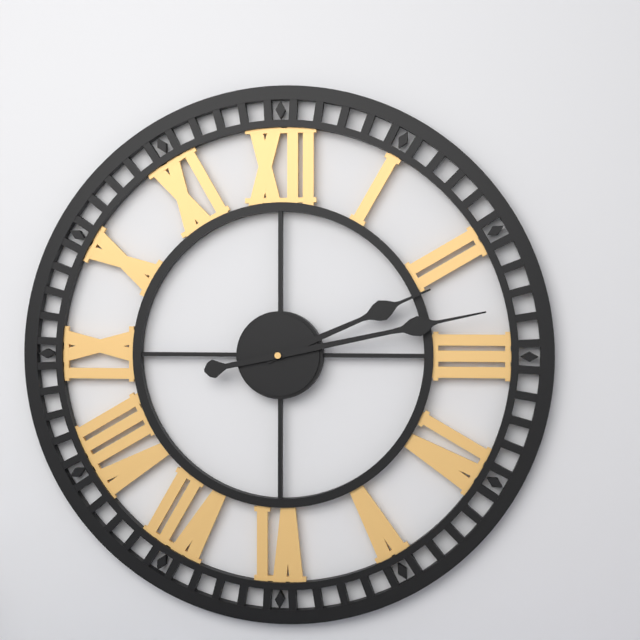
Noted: {"hour": 2, "minute": 13}
